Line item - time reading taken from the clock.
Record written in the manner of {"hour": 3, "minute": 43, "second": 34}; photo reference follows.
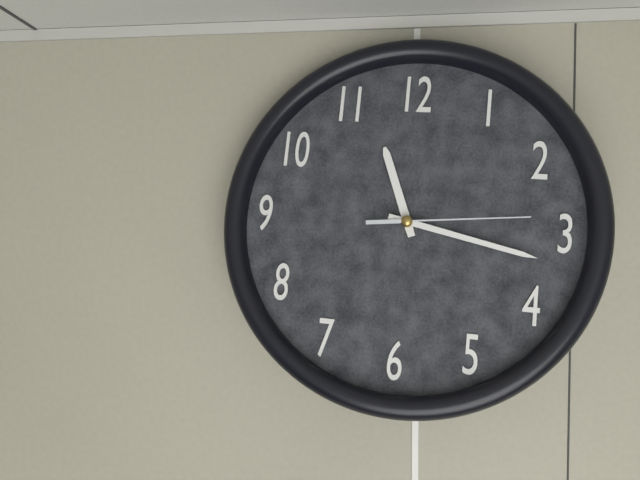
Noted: {"hour": 11, "minute": 17, "second": 14}
